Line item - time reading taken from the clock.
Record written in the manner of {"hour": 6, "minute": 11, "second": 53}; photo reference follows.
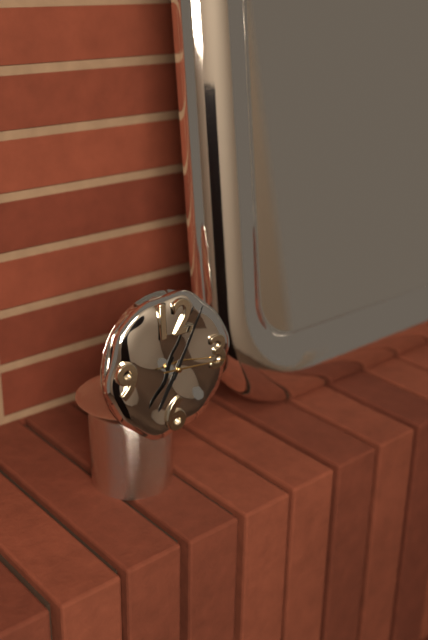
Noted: {"hour": 7, "minute": 5, "second": 16}
